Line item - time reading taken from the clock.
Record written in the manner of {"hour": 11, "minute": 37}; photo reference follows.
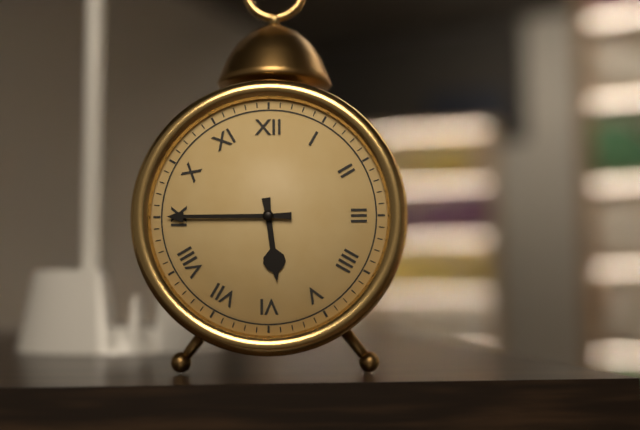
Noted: {"hour": 5, "minute": 45}
